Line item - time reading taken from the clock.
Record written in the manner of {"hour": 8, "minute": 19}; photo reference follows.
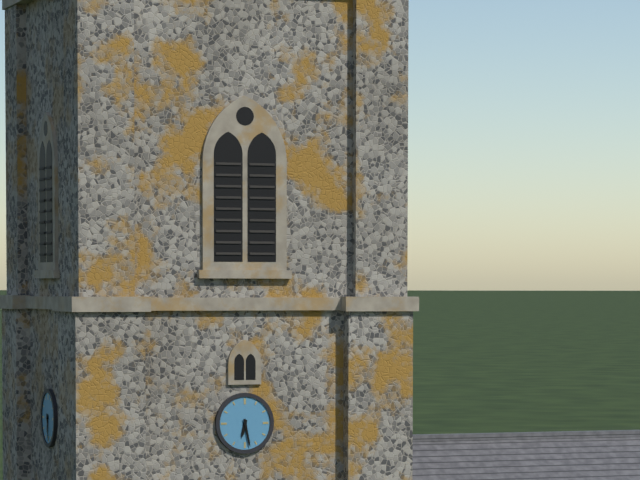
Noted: {"hour": 6, "minute": 28}
